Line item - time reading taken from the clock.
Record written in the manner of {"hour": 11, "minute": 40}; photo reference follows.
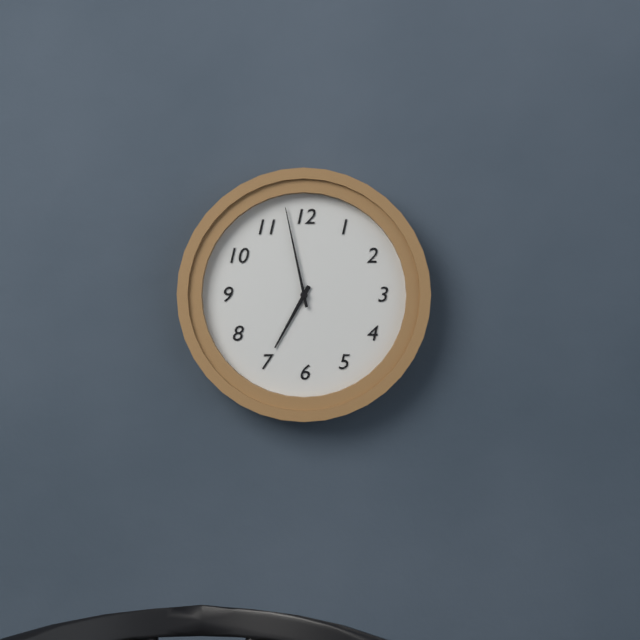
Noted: {"hour": 6, "minute": 58}
